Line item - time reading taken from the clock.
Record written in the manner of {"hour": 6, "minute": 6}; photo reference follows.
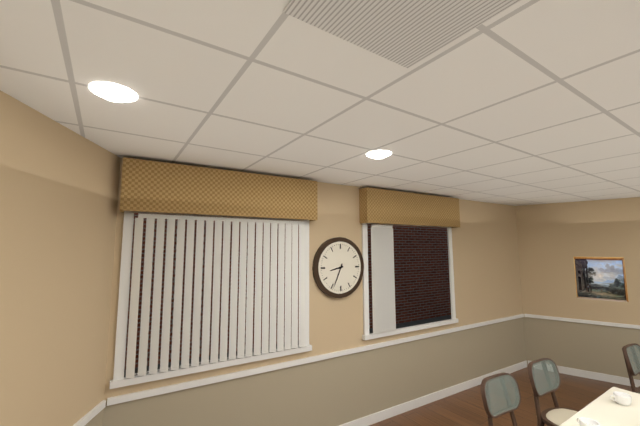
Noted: {"hour": 8, "minute": 34}
